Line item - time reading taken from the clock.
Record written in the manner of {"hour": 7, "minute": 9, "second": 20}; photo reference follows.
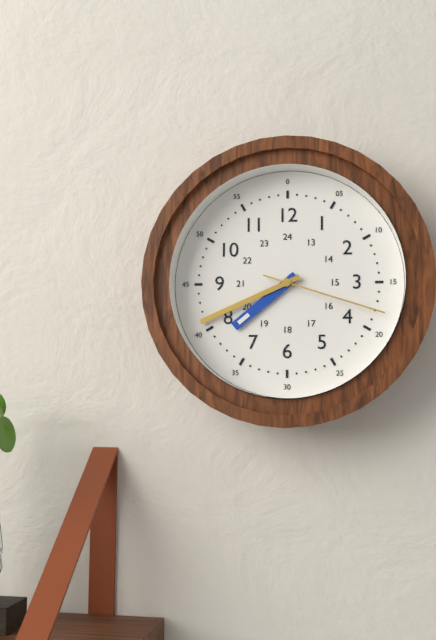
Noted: {"hour": 7, "minute": 41, "second": 18}
